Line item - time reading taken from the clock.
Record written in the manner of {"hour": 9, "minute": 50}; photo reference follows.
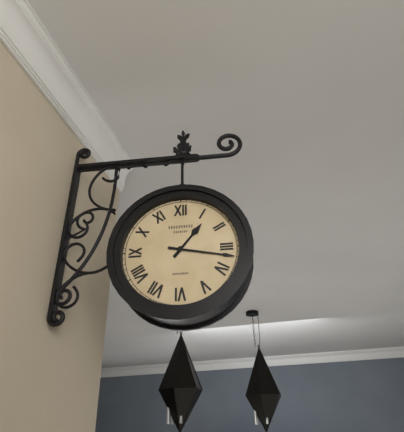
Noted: {"hour": 1, "minute": 17}
